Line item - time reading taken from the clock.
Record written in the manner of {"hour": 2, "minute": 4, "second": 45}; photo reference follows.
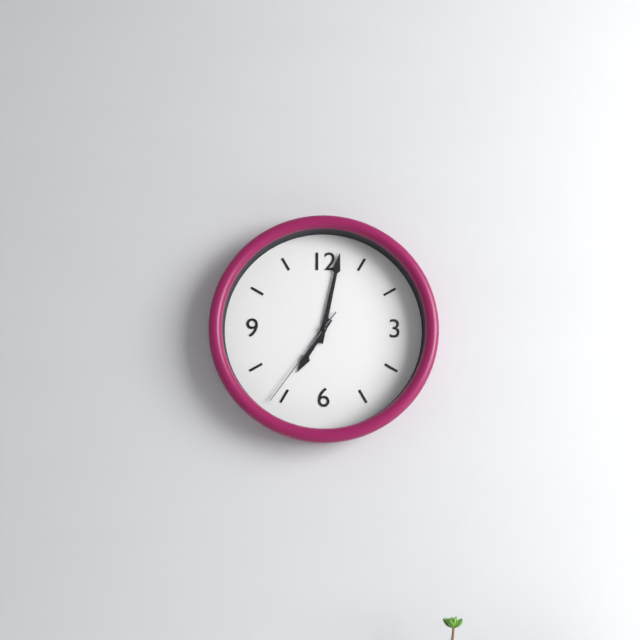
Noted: {"hour": 7, "minute": 2, "second": 36}
